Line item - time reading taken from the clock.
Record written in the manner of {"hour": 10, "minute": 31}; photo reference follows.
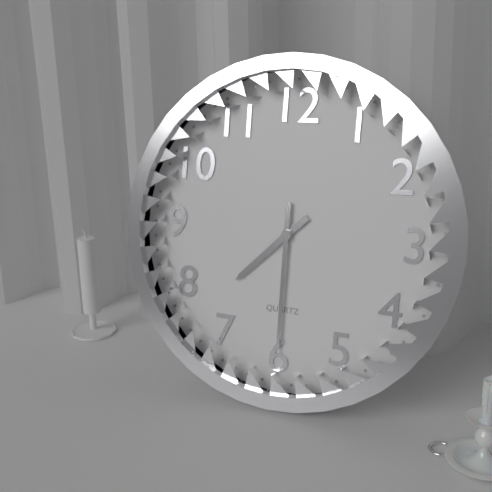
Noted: {"hour": 7, "minute": 30}
